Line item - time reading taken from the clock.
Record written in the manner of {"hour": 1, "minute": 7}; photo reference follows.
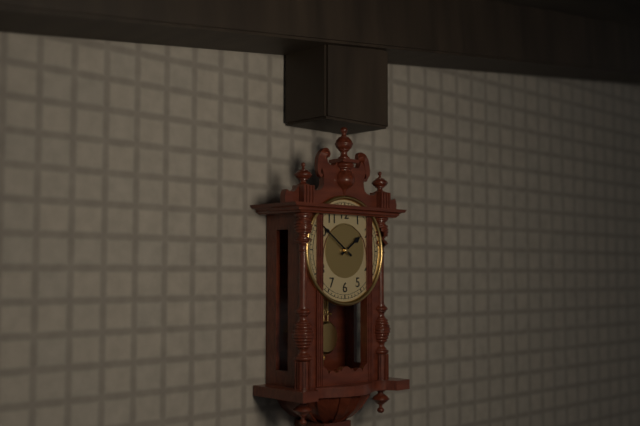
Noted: {"hour": 1, "minute": 51}
